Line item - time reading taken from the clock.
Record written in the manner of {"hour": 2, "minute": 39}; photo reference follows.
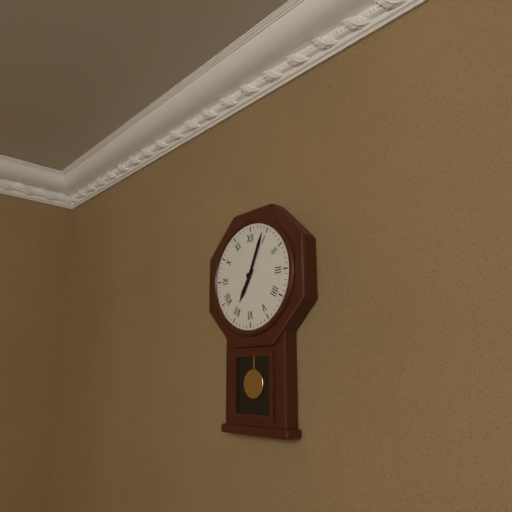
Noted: {"hour": 7, "minute": 4}
